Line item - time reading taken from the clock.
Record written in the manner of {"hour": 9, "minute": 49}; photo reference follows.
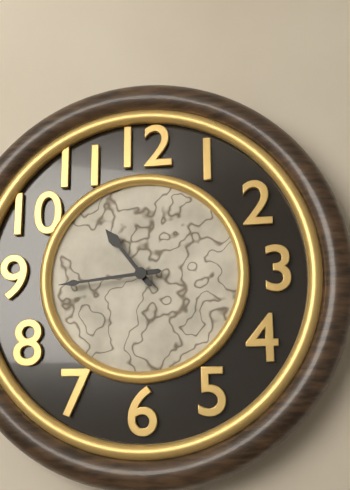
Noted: {"hour": 10, "minute": 44}
